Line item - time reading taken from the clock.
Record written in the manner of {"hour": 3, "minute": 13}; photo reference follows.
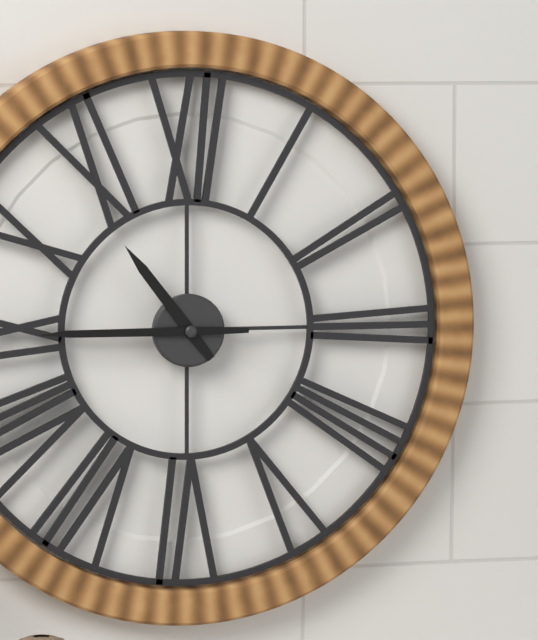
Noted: {"hour": 10, "minute": 45}
